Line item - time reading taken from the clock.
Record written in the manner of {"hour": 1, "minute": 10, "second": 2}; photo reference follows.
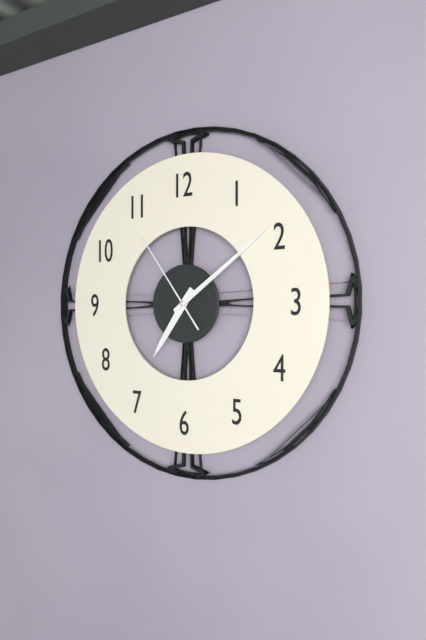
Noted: {"hour": 7, "minute": 9, "second": 54}
